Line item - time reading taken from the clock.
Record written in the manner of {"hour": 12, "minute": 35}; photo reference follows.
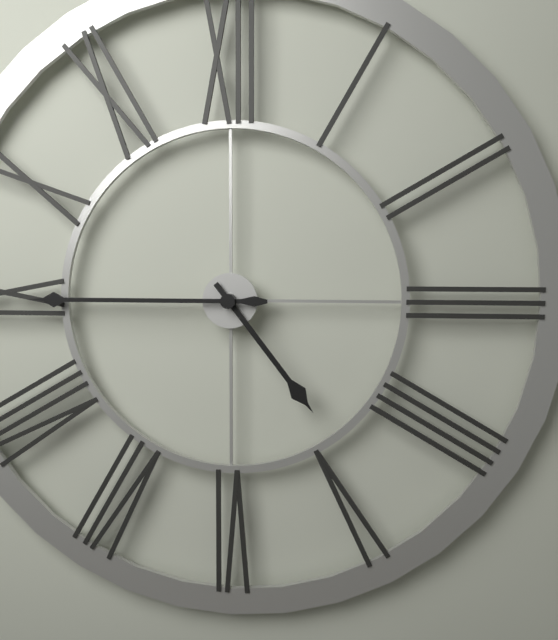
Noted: {"hour": 4, "minute": 45}
